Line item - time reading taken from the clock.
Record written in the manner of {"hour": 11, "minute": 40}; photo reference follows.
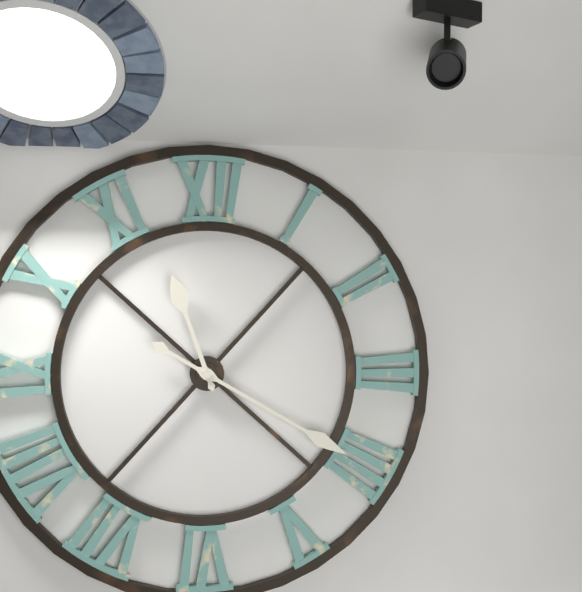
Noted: {"hour": 11, "minute": 20}
